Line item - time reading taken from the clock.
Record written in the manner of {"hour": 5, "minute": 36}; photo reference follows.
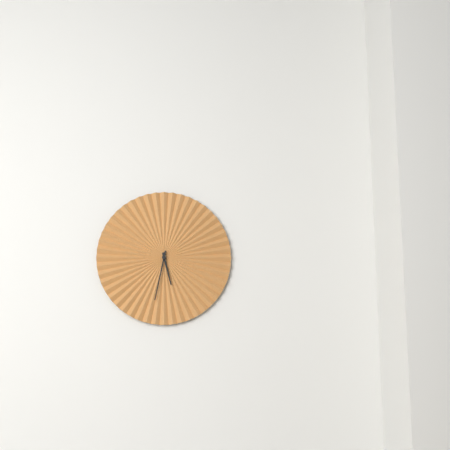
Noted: {"hour": 5, "minute": 32}
